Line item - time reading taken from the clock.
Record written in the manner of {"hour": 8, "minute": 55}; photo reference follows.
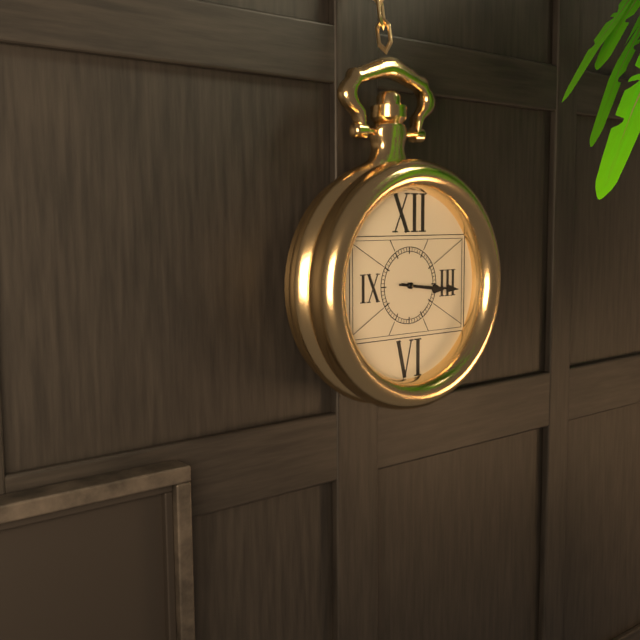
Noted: {"hour": 3, "minute": 16}
